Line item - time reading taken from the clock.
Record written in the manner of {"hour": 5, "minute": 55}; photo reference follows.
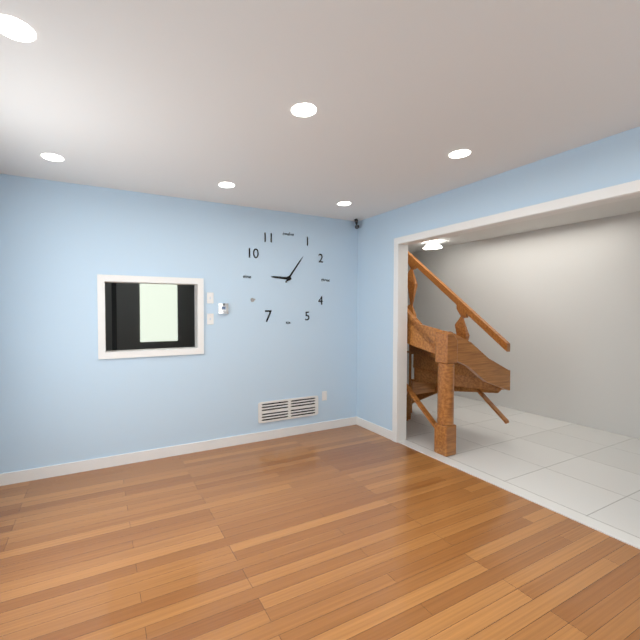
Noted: {"hour": 9, "minute": 6}
